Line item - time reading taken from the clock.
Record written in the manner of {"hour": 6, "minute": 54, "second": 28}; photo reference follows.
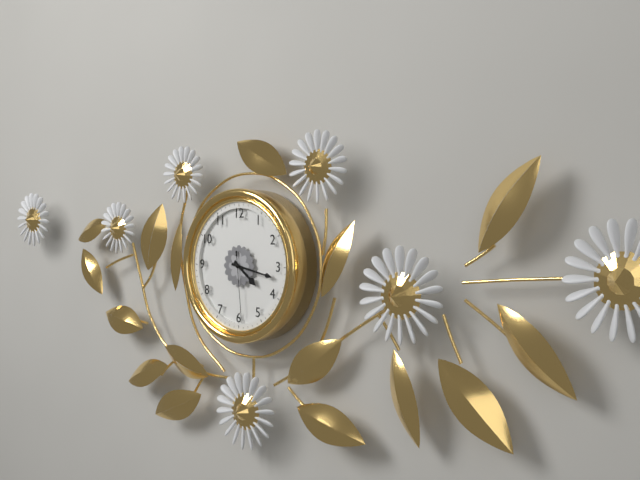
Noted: {"hour": 4, "minute": 17, "second": 29}
